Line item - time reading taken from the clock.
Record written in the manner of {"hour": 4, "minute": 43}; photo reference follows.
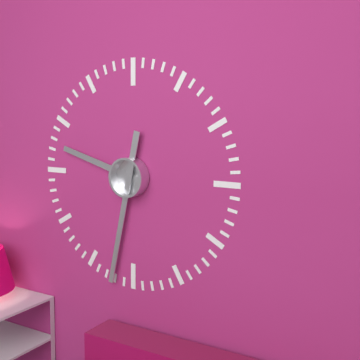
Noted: {"hour": 9, "minute": 32}
